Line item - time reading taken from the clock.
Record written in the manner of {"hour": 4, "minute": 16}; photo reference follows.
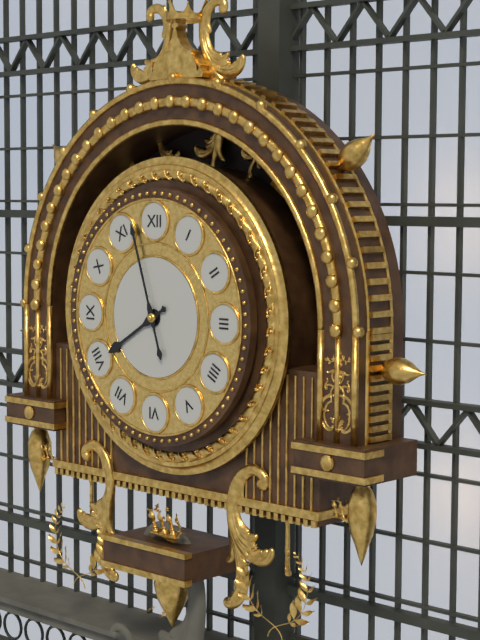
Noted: {"hour": 7, "minute": 57}
